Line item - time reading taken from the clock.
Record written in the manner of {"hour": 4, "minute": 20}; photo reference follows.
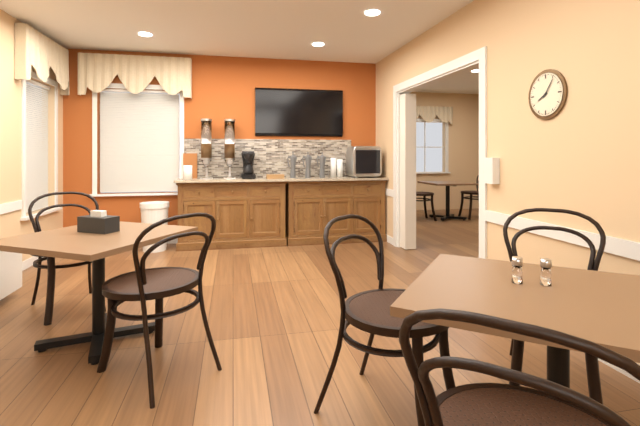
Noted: {"hour": 8, "minute": 6}
